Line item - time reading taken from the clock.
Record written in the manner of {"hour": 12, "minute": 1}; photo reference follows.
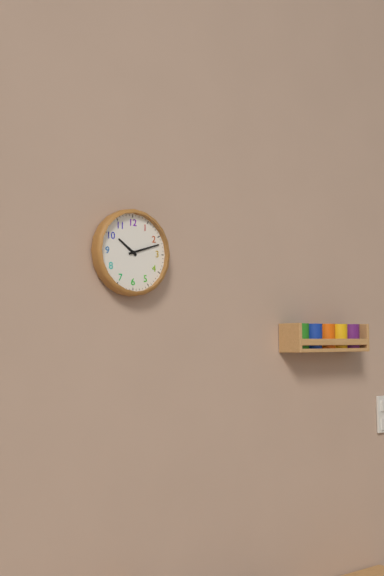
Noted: {"hour": 10, "minute": 12}
